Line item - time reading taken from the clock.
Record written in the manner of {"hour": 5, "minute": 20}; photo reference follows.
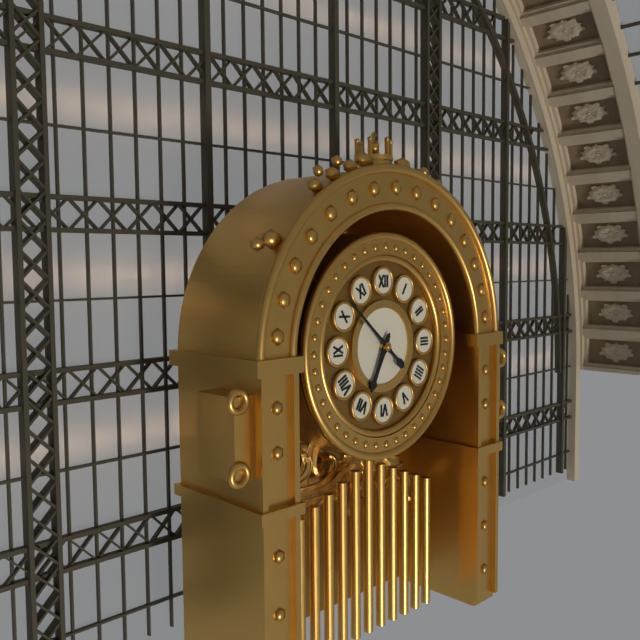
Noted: {"hour": 6, "minute": 52}
